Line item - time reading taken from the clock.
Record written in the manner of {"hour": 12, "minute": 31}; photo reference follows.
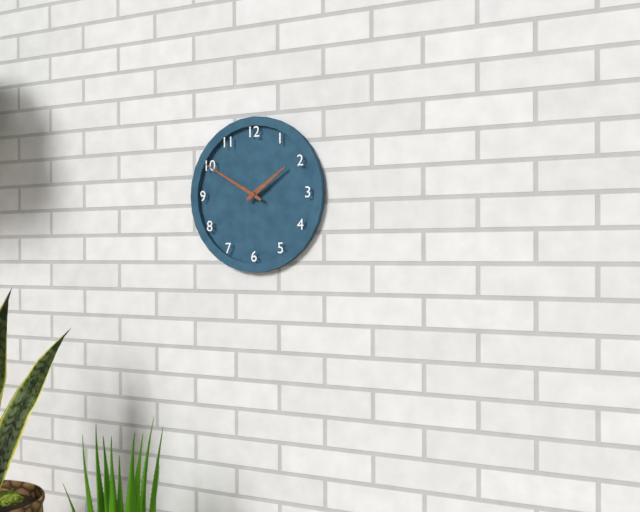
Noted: {"hour": 1, "minute": 50}
